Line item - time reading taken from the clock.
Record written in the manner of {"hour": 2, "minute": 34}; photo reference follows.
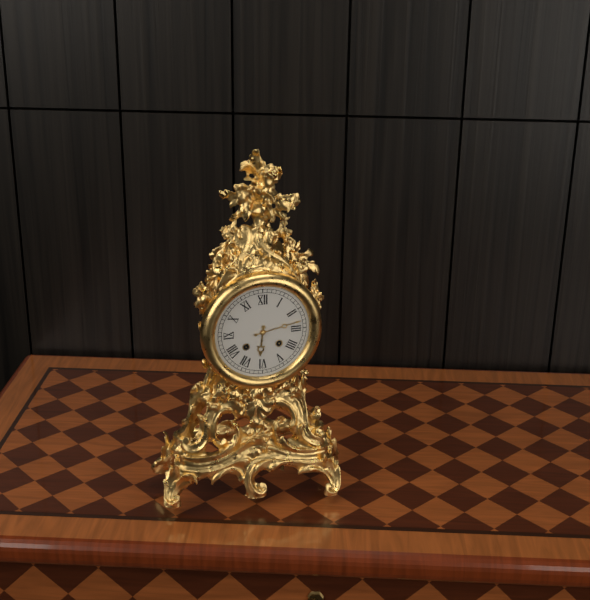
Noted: {"hour": 6, "minute": 13}
